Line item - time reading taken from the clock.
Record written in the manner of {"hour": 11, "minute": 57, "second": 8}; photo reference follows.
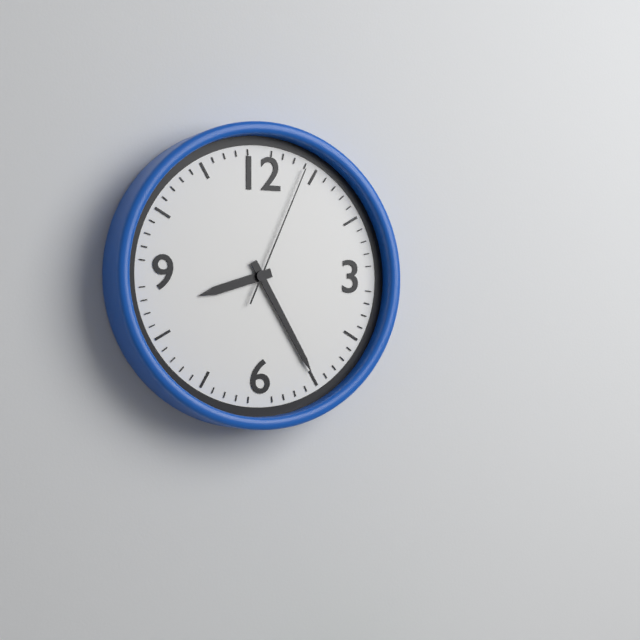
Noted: {"hour": 8, "minute": 25, "second": 4}
